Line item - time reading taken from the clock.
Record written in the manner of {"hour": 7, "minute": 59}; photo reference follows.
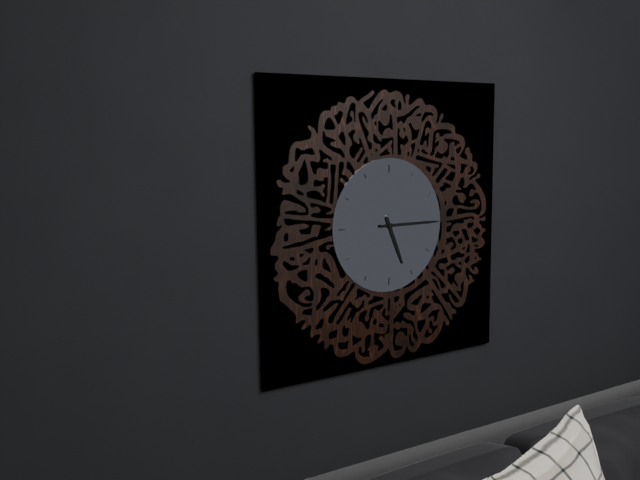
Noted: {"hour": 5, "minute": 15}
